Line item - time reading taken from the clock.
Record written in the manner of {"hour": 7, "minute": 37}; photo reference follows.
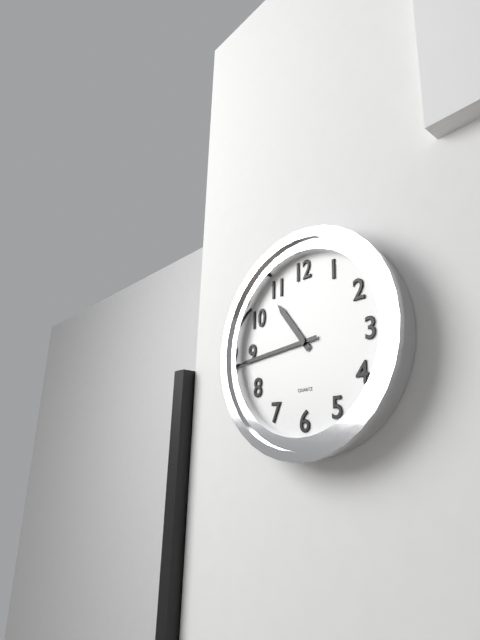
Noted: {"hour": 10, "minute": 44}
